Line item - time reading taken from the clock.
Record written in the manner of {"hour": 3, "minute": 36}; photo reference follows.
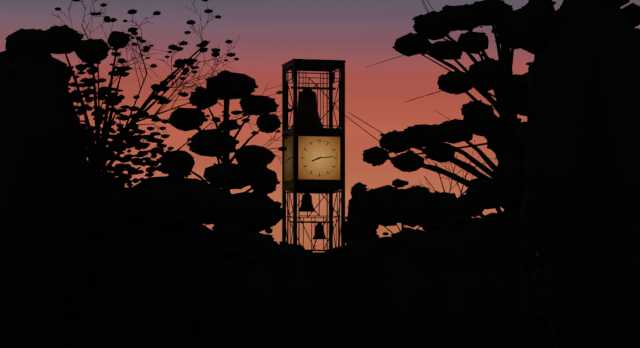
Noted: {"hour": 8, "minute": 14}
